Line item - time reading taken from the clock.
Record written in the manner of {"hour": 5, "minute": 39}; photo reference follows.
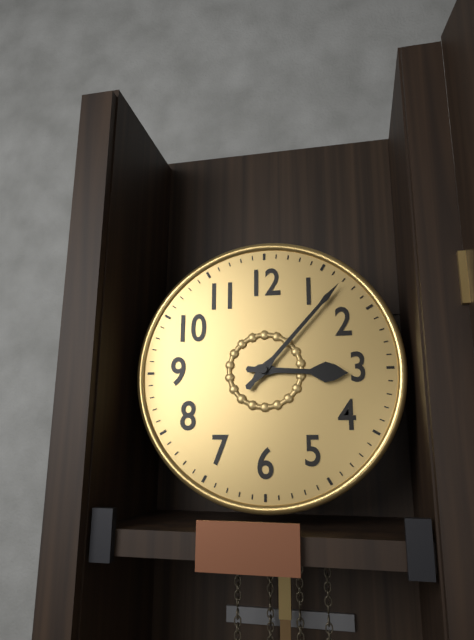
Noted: {"hour": 3, "minute": 7}
